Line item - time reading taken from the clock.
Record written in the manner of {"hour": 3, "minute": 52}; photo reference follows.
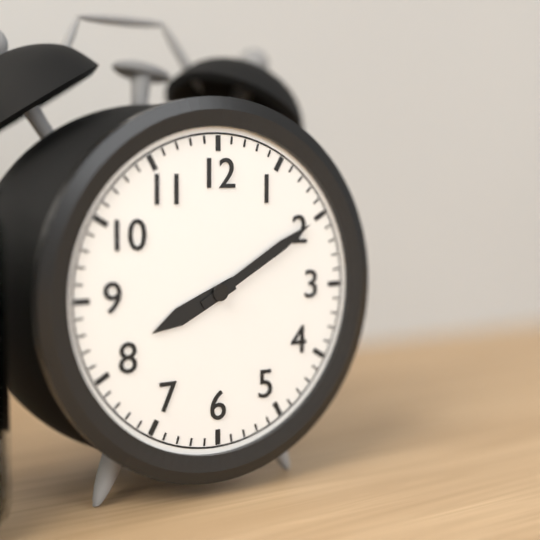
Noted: {"hour": 8, "minute": 10}
